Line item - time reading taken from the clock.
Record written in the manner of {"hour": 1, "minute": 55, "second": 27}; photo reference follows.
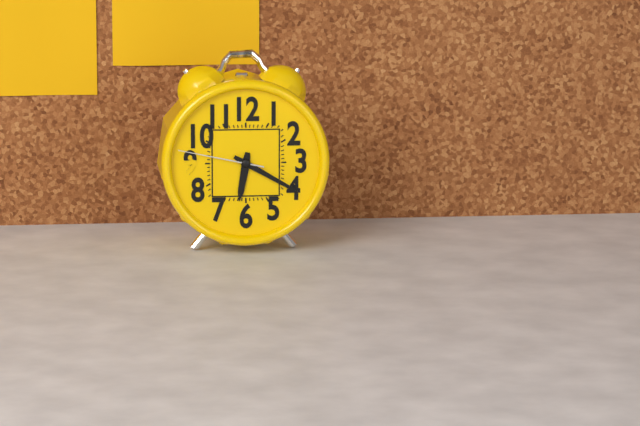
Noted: {"hour": 6, "minute": 20, "second": 47}
